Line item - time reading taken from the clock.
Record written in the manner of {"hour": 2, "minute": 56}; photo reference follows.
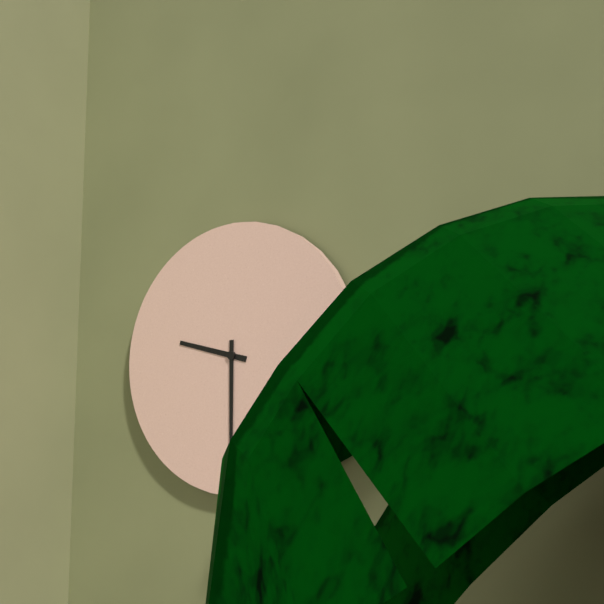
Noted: {"hour": 9, "minute": 30}
